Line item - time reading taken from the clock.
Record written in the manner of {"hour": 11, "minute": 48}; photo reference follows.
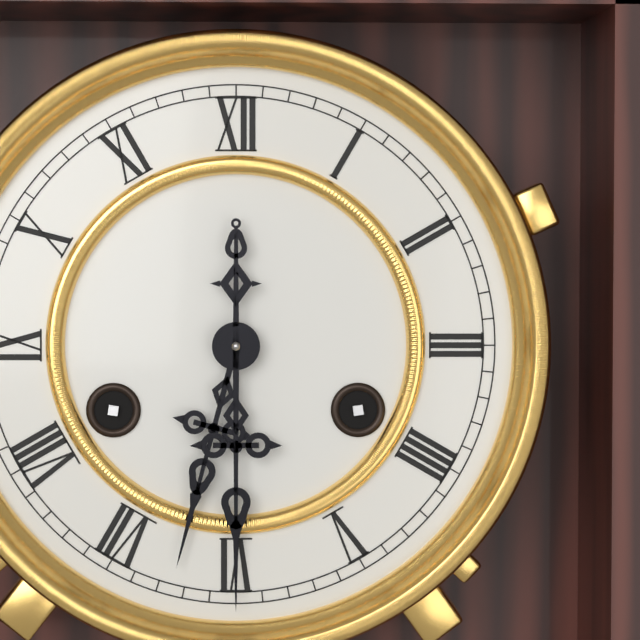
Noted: {"hour": 6, "minute": 30}
